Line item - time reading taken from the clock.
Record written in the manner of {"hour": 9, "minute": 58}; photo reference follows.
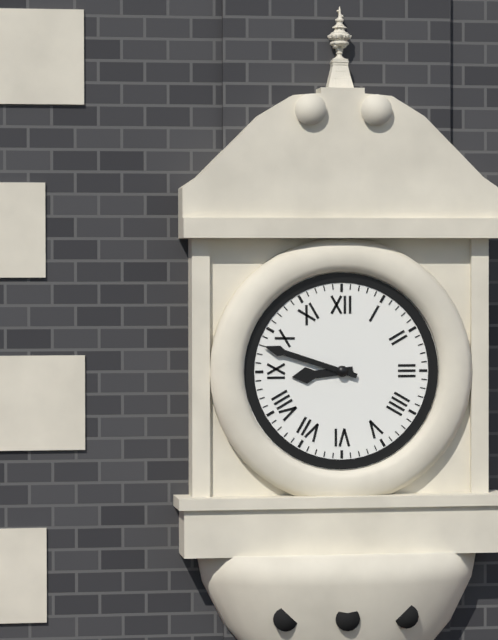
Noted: {"hour": 8, "minute": 48}
